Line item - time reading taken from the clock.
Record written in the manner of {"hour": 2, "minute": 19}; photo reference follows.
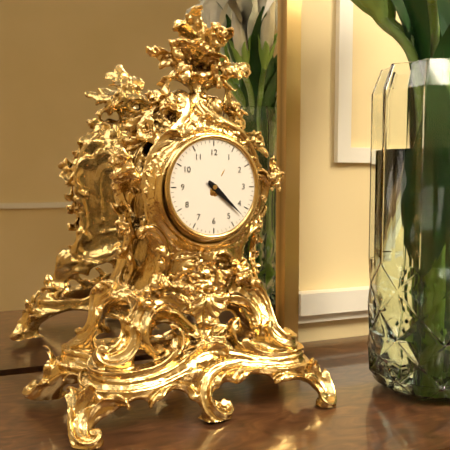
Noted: {"hour": 4, "minute": 22}
